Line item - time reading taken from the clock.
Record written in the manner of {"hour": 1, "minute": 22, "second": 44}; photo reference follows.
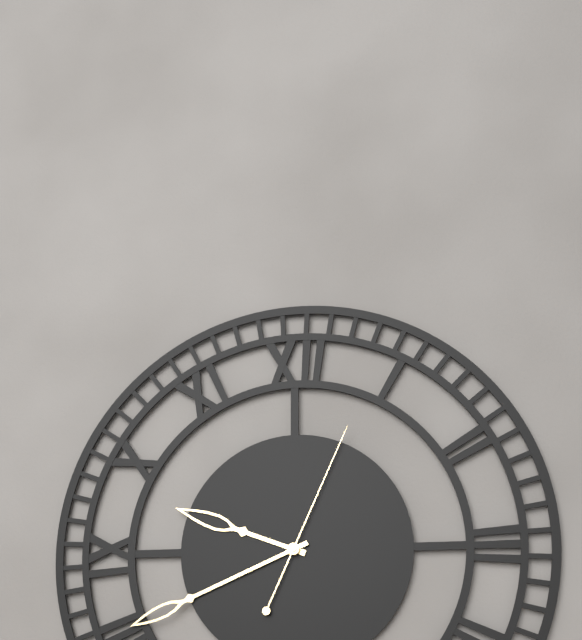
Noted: {"hour": 9, "minute": 41, "second": 4}
